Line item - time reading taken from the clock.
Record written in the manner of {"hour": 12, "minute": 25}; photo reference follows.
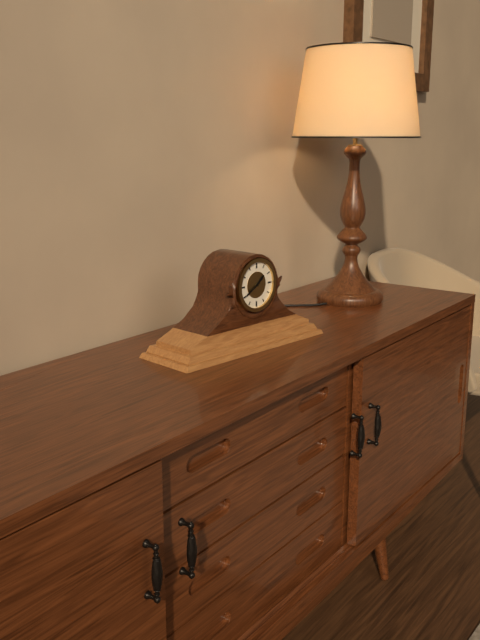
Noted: {"hour": 1, "minute": 40}
